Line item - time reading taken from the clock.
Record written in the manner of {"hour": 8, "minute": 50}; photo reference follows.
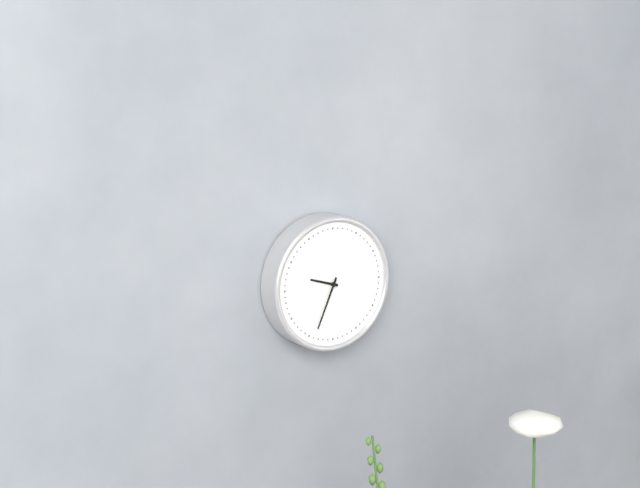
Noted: {"hour": 9, "minute": 34}
